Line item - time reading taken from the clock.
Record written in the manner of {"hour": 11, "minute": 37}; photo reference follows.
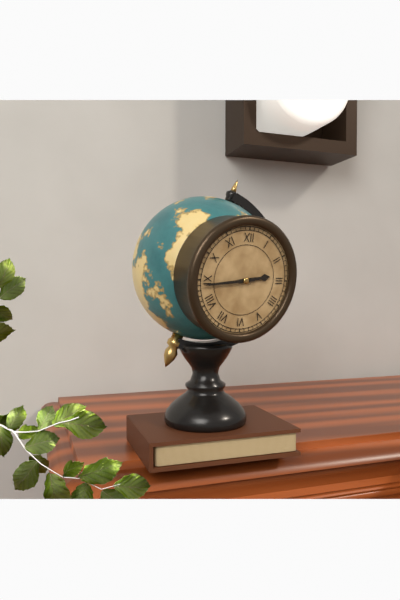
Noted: {"hour": 2, "minute": 44}
